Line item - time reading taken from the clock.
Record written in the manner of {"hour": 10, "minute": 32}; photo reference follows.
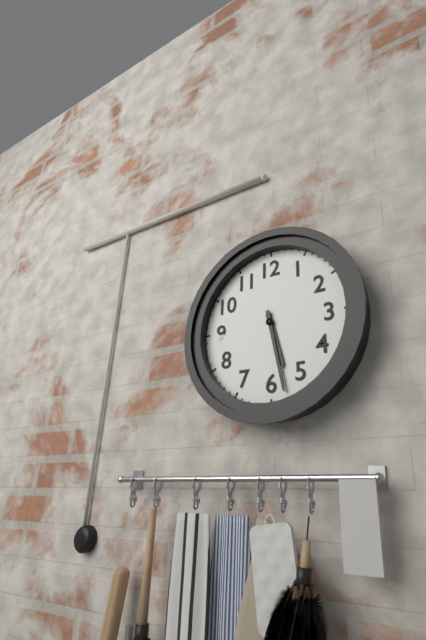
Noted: {"hour": 5, "minute": 28}
